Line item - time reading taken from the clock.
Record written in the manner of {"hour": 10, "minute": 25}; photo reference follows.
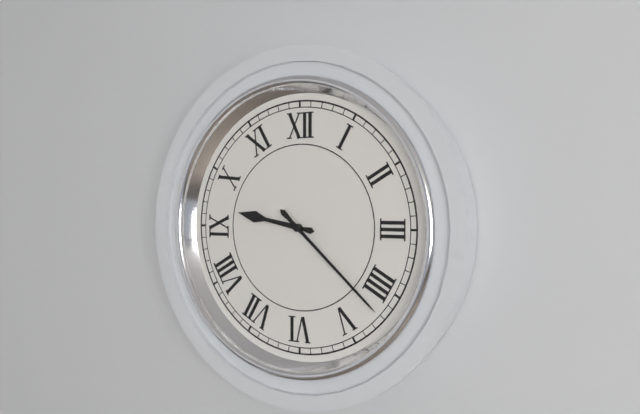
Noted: {"hour": 9, "minute": 22}
